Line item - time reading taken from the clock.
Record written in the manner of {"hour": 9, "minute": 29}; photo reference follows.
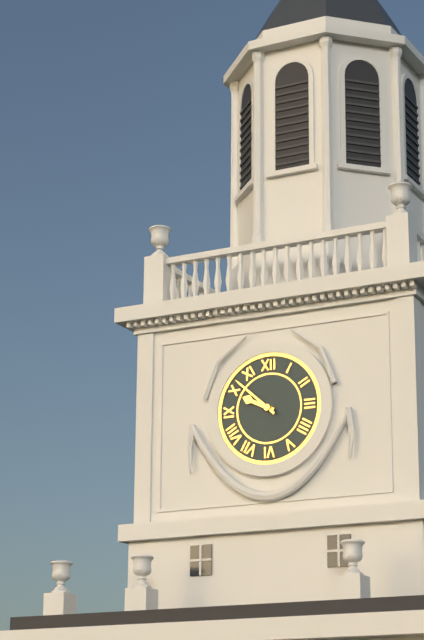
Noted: {"hour": 9, "minute": 52}
